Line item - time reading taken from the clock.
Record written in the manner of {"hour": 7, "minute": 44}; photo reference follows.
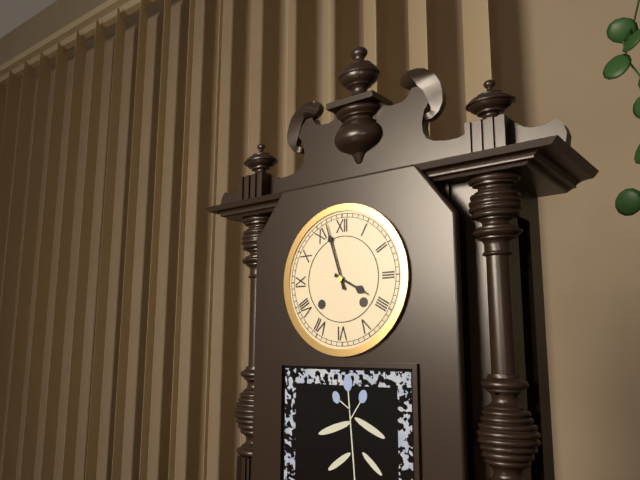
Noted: {"hour": 3, "minute": 57}
